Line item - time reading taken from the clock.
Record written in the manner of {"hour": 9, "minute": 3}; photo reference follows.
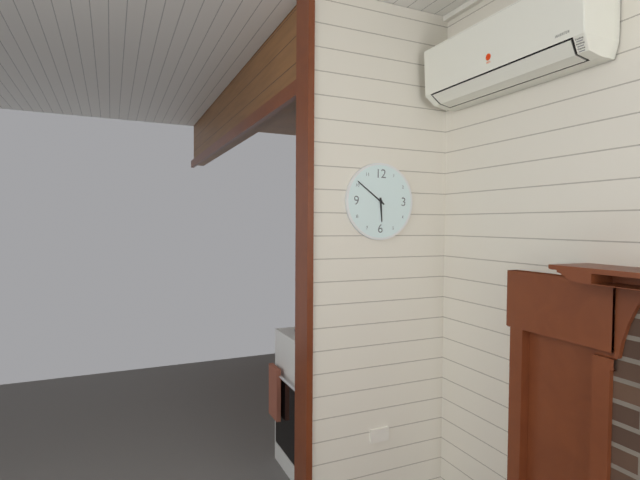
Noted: {"hour": 5, "minute": 51}
